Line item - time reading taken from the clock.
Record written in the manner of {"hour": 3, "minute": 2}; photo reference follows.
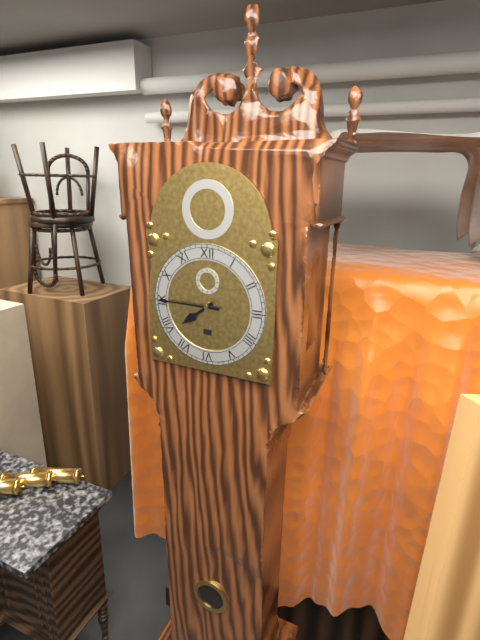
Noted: {"hour": 7, "minute": 45}
